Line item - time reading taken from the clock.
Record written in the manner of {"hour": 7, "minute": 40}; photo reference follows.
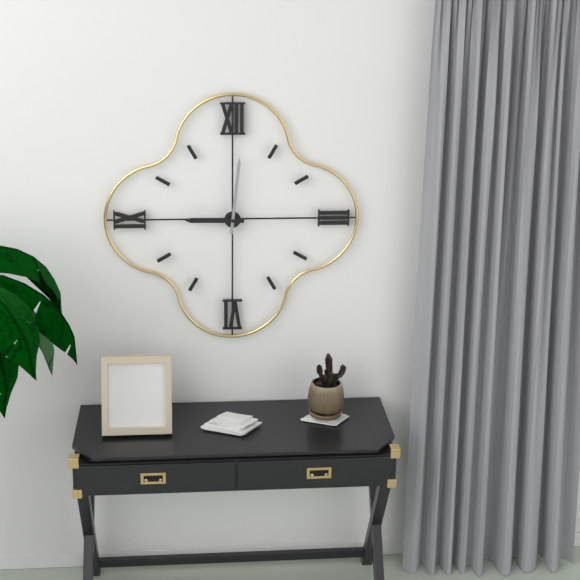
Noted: {"hour": 9, "minute": 1}
